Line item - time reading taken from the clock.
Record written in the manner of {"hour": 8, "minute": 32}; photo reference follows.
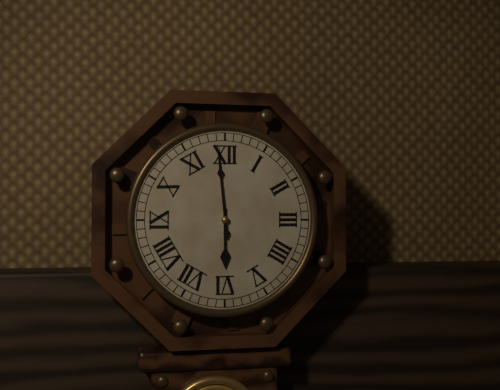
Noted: {"hour": 5, "minute": 59}
